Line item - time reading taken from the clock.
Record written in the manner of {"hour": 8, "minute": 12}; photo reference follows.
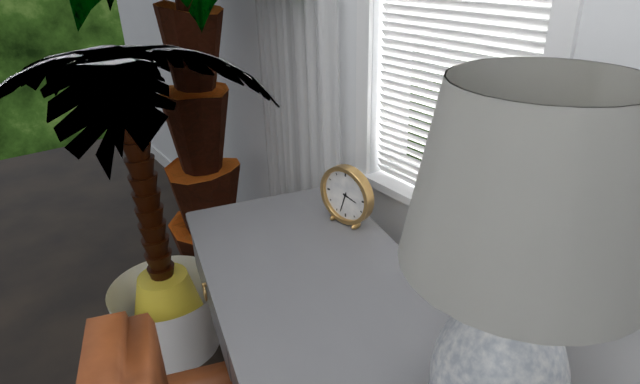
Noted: {"hour": 3, "minute": 33}
